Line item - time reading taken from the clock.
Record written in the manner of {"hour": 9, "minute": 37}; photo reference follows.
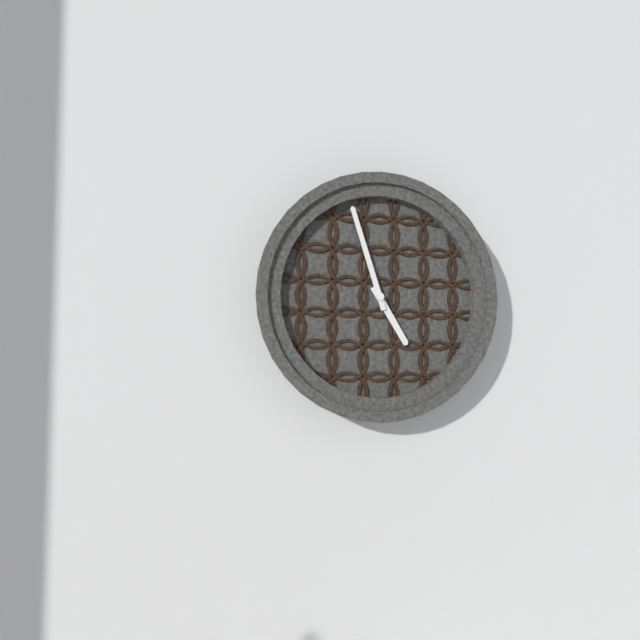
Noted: {"hour": 4, "minute": 57}
